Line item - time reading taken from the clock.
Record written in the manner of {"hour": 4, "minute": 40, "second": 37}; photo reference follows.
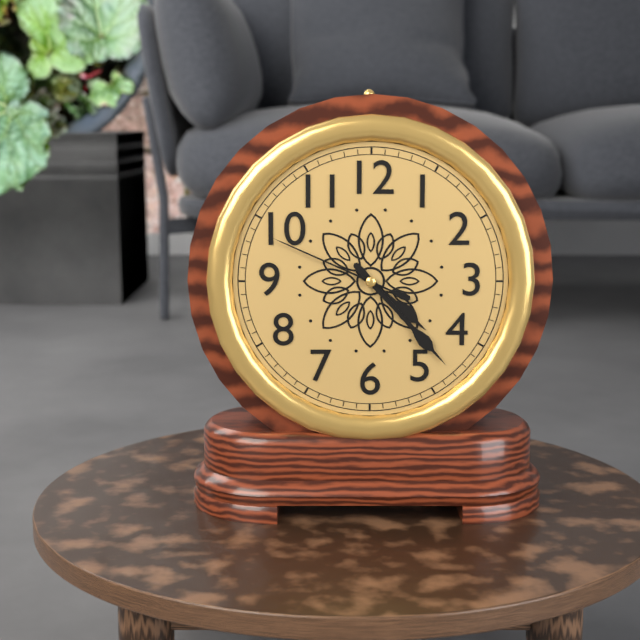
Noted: {"hour": 4, "minute": 23, "second": 49}
